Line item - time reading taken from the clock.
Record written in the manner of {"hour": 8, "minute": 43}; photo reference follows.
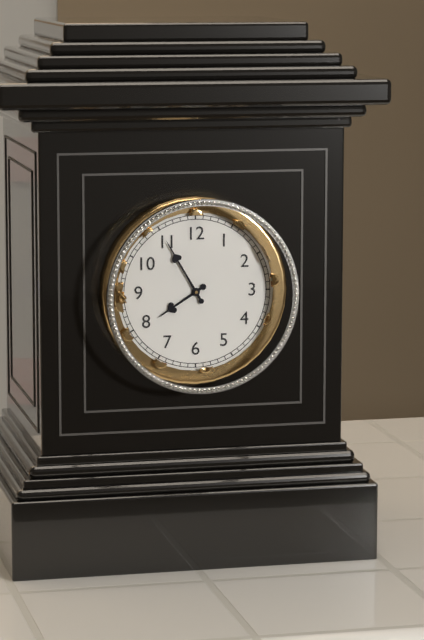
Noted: {"hour": 7, "minute": 55}
